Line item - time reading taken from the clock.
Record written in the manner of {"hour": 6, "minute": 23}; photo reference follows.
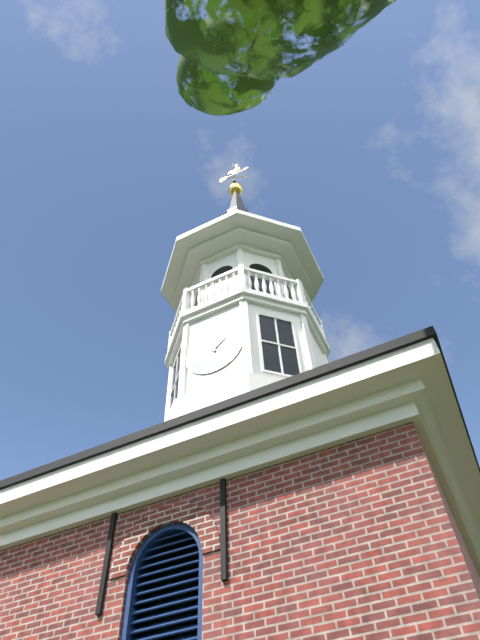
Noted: {"hour": 1, "minute": 58}
